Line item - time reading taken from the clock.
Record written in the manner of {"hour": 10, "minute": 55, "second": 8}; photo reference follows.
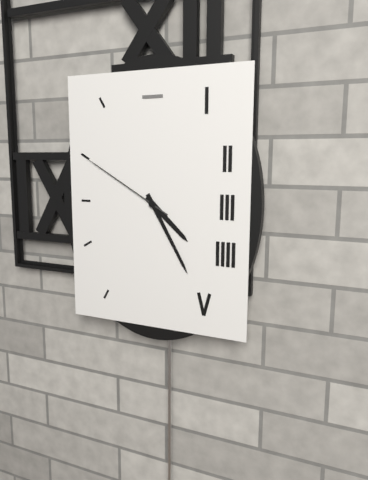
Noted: {"hour": 4, "minute": 25, "second": 50}
